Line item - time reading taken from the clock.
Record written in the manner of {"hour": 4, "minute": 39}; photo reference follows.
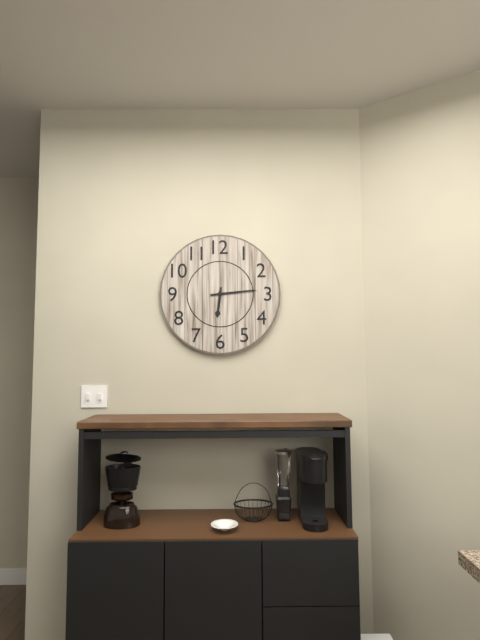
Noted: {"hour": 6, "minute": 14}
